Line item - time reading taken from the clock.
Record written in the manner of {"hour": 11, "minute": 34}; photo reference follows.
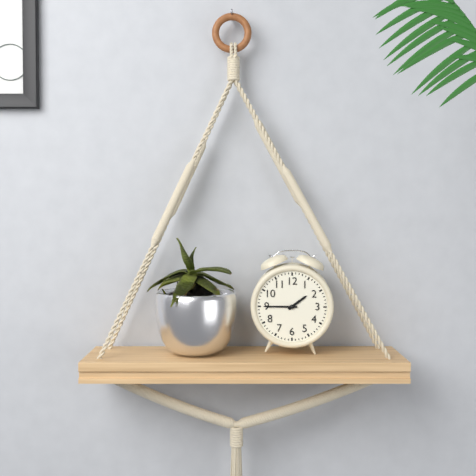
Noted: {"hour": 1, "minute": 45}
